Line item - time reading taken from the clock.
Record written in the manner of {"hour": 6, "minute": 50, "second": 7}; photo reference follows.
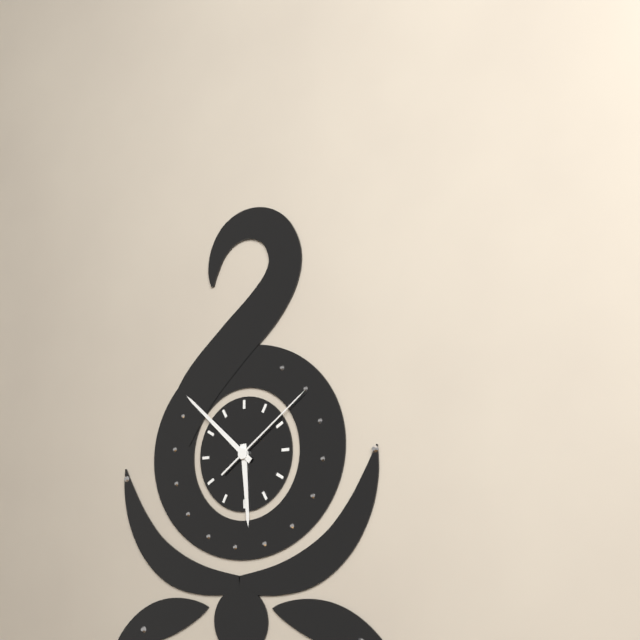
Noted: {"hour": 5, "minute": 52, "second": 9}
